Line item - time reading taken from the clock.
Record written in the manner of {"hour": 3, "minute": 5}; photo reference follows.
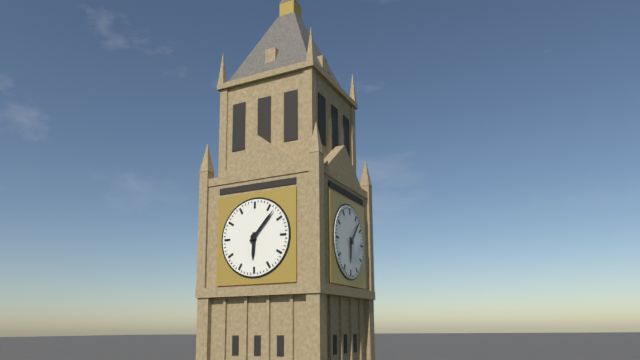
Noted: {"hour": 6, "minute": 7}
